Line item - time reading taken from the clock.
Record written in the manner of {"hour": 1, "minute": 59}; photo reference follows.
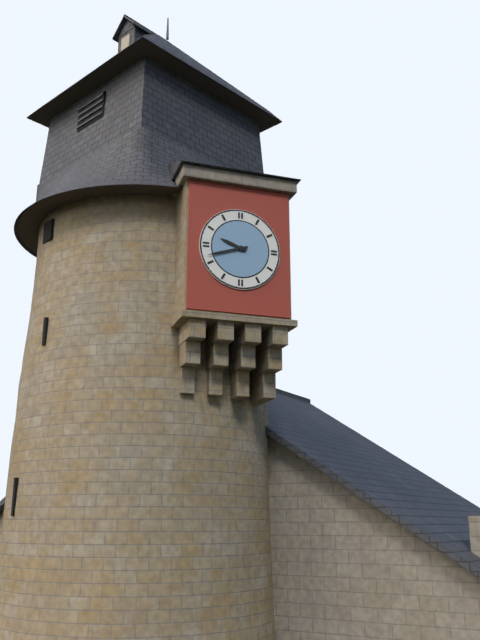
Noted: {"hour": 9, "minute": 42}
